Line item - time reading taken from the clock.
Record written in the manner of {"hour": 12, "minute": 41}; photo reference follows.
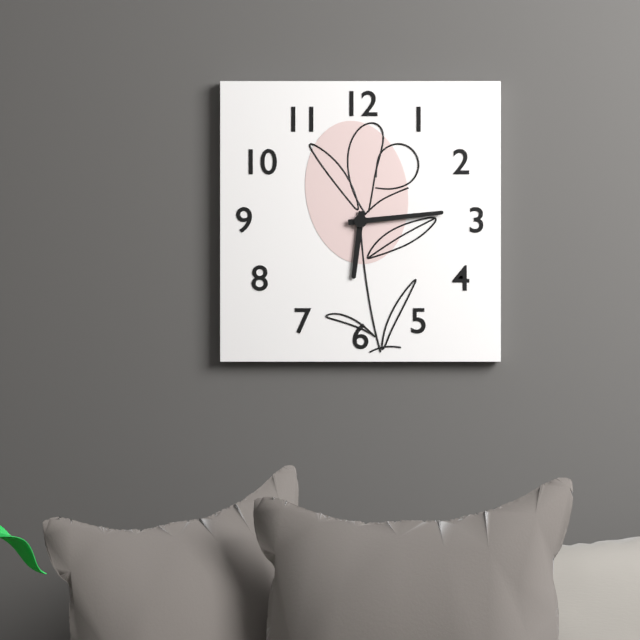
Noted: {"hour": 6, "minute": 14}
